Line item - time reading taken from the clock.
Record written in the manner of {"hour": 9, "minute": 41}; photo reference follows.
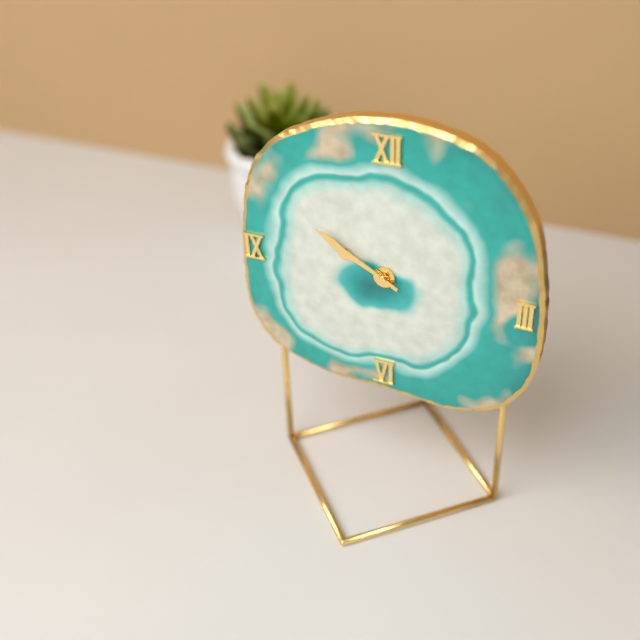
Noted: {"hour": 9, "minute": 50}
